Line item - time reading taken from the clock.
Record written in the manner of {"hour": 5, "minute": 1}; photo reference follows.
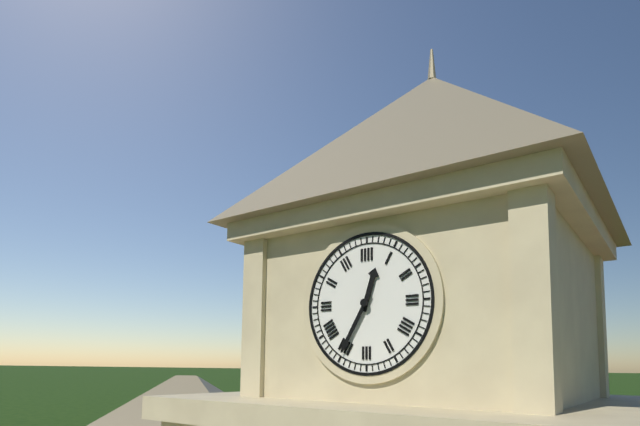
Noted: {"hour": 12, "minute": 35}
